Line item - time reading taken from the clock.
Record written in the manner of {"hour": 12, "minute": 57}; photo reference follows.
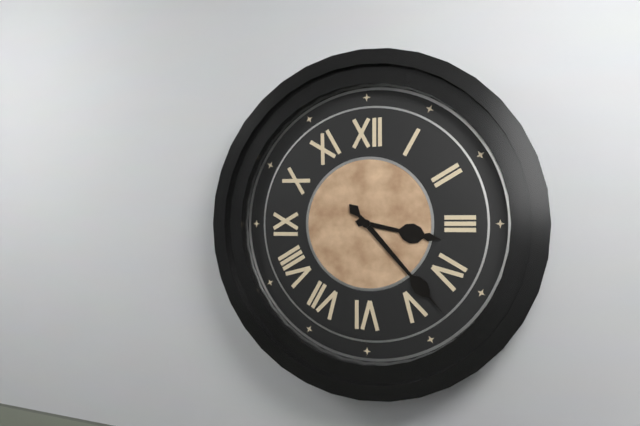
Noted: {"hour": 3, "minute": 23}
